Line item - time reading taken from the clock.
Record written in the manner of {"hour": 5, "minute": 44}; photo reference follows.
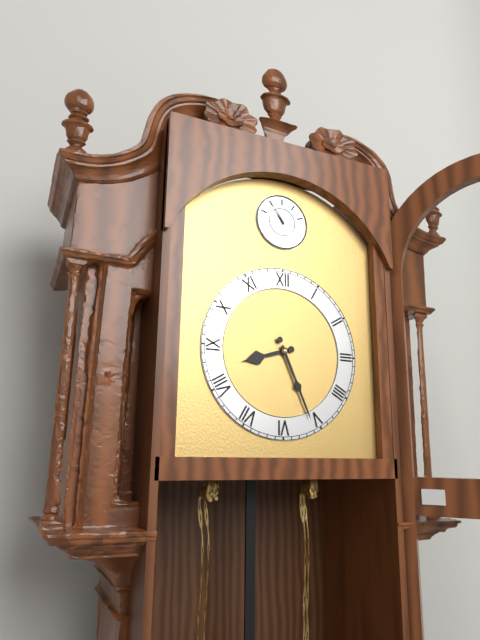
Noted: {"hour": 8, "minute": 26}
